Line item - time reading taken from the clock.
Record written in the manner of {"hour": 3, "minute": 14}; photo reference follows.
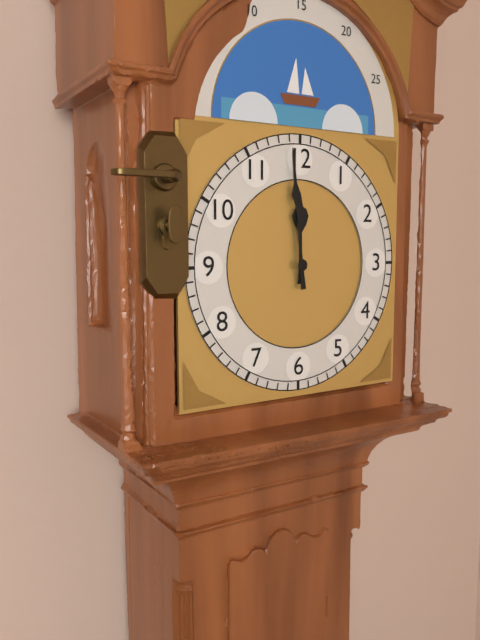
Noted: {"hour": 11, "minute": 59}
